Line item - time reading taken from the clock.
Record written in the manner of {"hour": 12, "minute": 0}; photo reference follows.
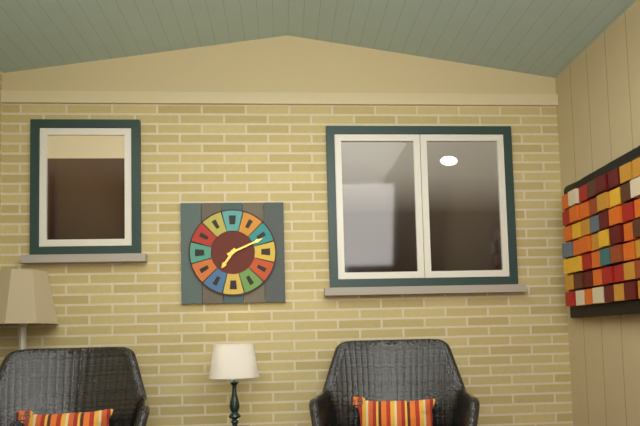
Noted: {"hour": 7, "minute": 11}
